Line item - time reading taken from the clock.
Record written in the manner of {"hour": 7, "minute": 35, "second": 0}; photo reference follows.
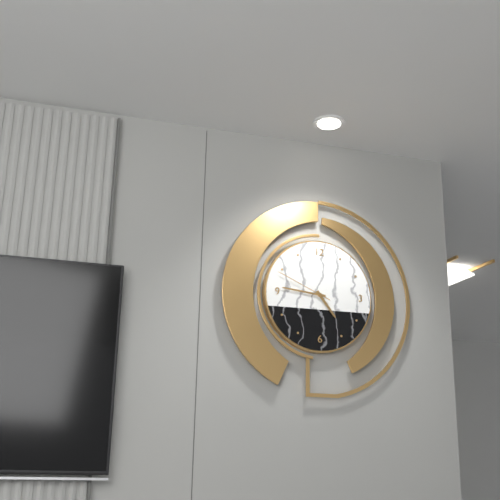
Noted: {"hour": 4, "minute": 46, "second": 49}
